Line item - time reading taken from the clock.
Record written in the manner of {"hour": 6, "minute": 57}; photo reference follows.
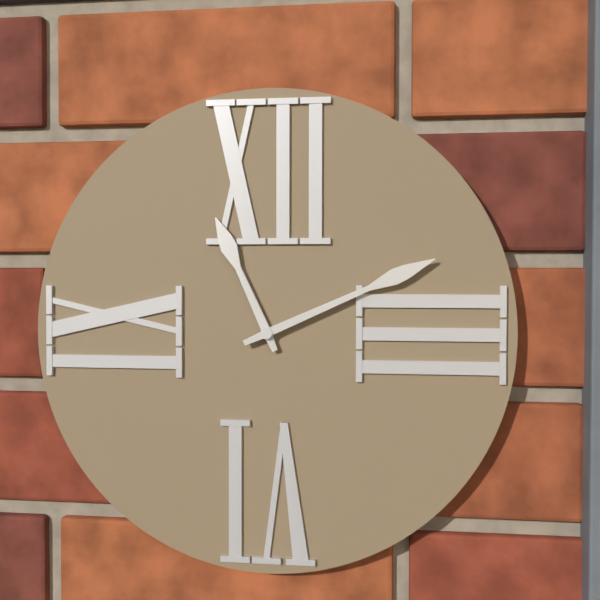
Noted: {"hour": 11, "minute": 11}
